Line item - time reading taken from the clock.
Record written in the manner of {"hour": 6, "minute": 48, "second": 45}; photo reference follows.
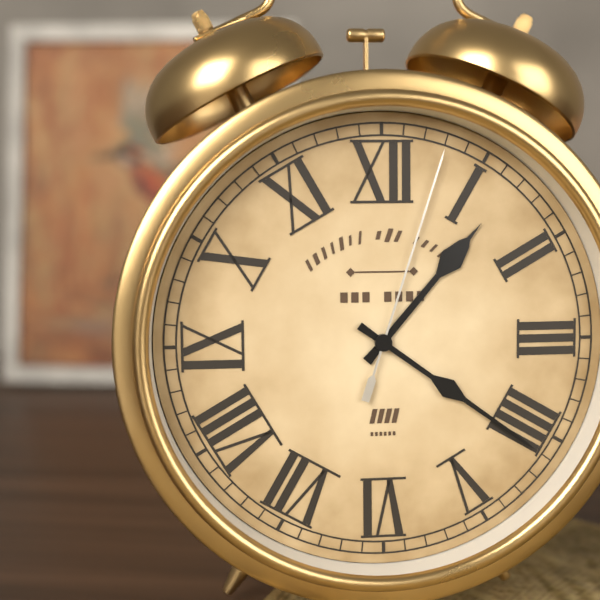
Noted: {"hour": 1, "minute": 21, "second": 3}
